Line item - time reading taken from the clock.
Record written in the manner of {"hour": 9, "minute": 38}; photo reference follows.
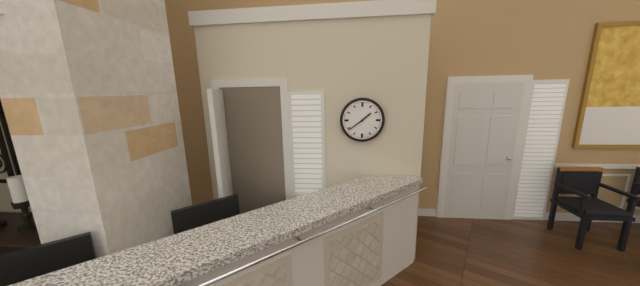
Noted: {"hour": 1, "minute": 39}
